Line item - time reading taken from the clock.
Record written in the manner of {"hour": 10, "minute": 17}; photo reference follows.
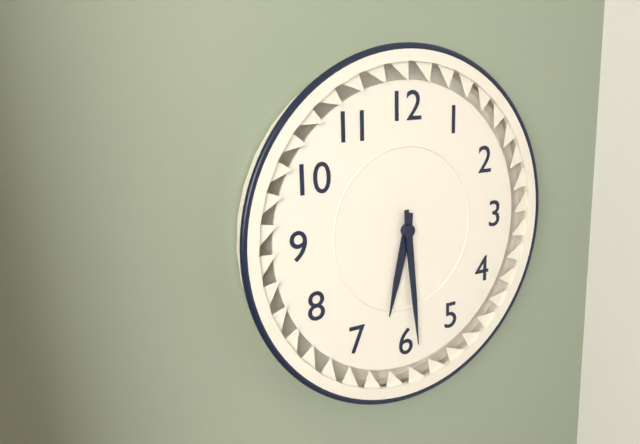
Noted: {"hour": 6, "minute": 29}
